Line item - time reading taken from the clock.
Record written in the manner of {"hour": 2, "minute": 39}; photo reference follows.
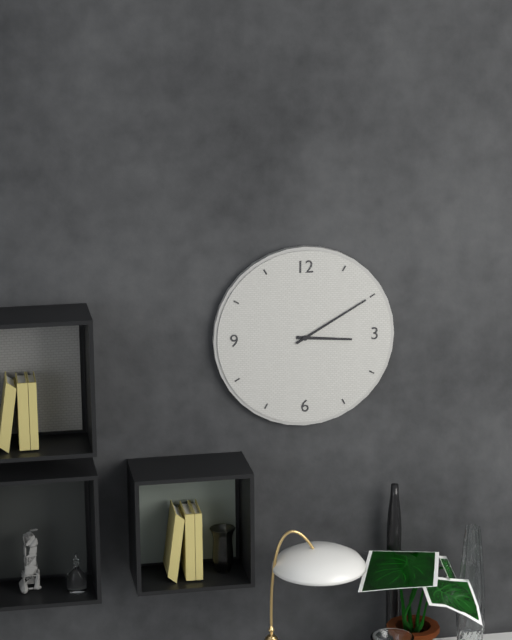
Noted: {"hour": 3, "minute": 10}
